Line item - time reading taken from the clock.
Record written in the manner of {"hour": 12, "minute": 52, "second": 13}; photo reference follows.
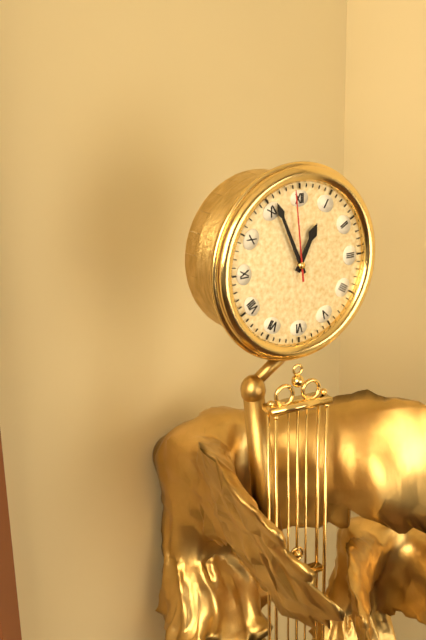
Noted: {"hour": 12, "minute": 56, "second": 59}
